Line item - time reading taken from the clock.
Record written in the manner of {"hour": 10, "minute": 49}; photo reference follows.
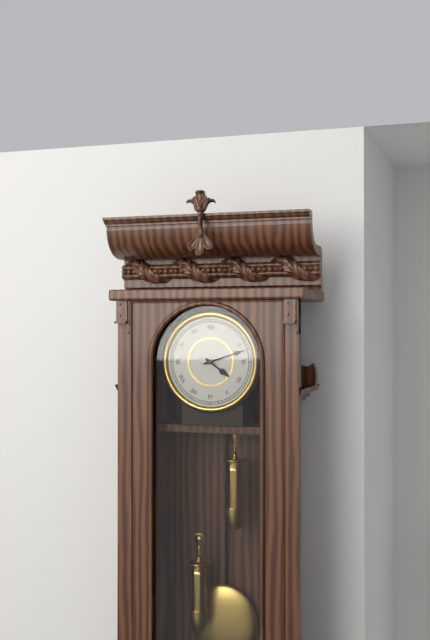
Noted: {"hour": 4, "minute": 12}
